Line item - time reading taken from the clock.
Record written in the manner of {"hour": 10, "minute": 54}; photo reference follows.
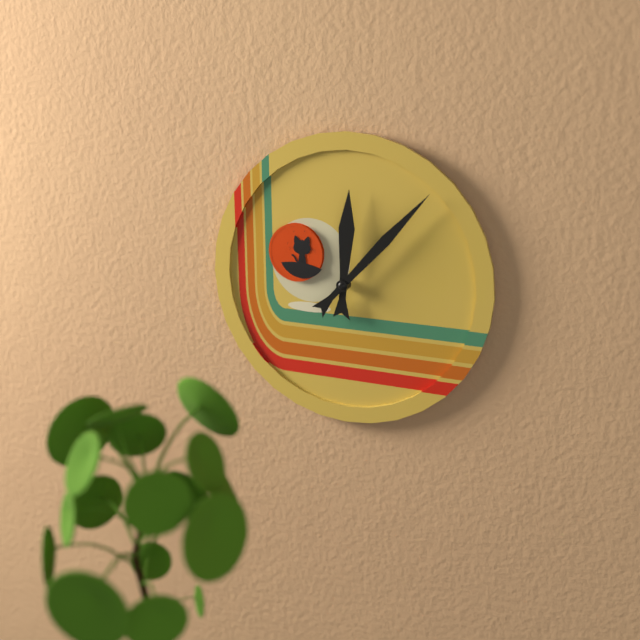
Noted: {"hour": 12, "minute": 7}
